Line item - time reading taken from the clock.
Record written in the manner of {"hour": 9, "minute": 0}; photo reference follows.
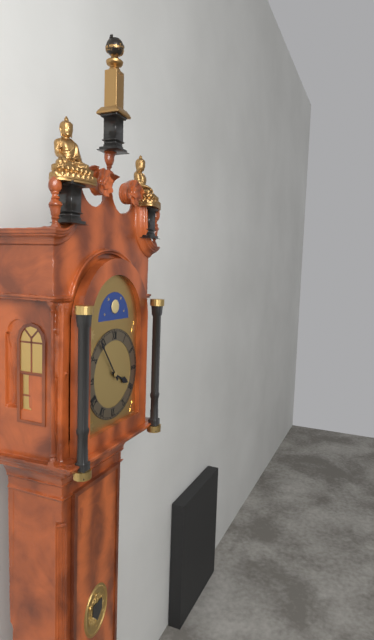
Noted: {"hour": 3, "minute": 54}
